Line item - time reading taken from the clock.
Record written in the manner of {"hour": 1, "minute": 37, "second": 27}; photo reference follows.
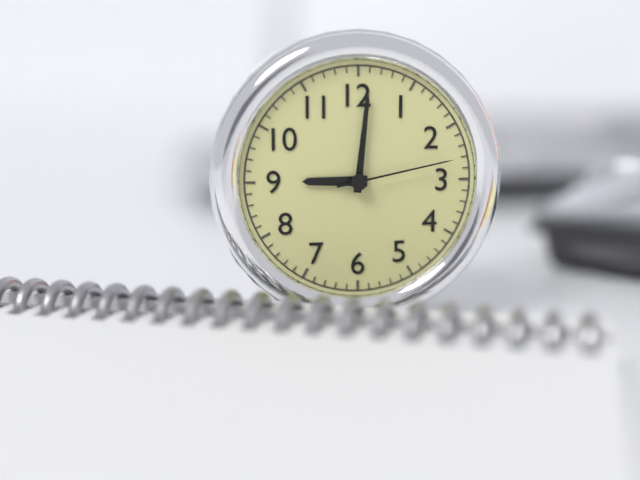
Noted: {"hour": 9, "minute": 1, "second": 13}
